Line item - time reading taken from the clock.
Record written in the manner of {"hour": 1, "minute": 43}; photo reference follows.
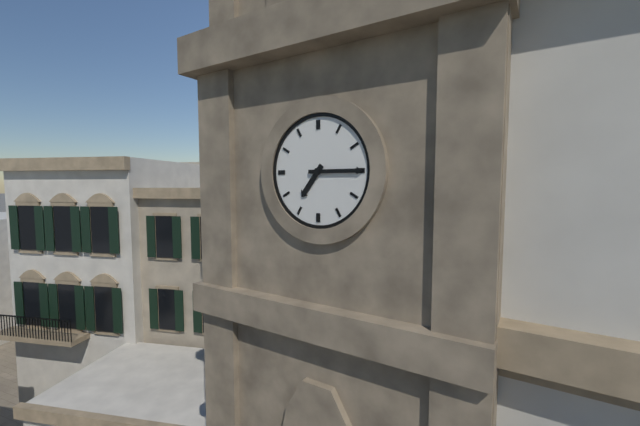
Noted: {"hour": 7, "minute": 15}
